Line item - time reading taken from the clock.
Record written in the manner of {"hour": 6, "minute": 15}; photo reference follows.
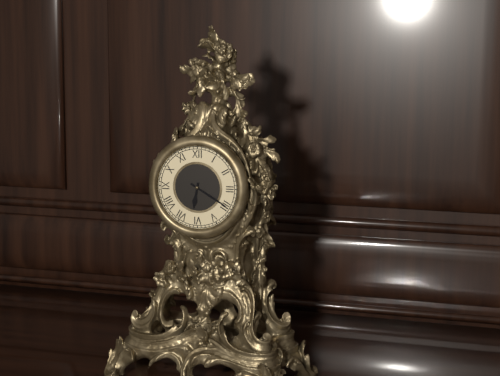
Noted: {"hour": 6, "minute": 20}
